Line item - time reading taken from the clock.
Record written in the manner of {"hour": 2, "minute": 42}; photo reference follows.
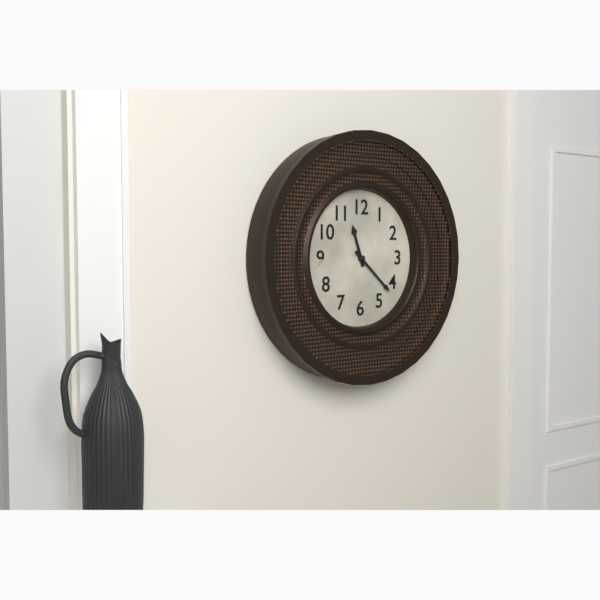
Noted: {"hour": 11, "minute": 22}
